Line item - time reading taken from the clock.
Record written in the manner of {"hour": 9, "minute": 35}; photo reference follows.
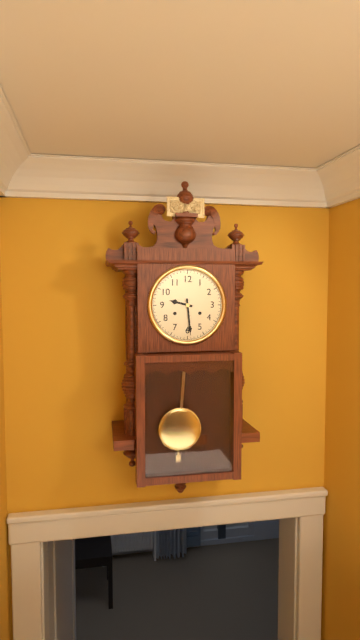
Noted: {"hour": 9, "minute": 29}
